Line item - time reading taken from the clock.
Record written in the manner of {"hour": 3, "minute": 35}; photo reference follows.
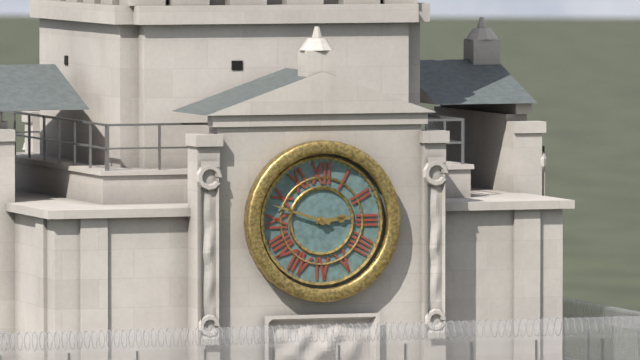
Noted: {"hour": 2, "minute": 48}
